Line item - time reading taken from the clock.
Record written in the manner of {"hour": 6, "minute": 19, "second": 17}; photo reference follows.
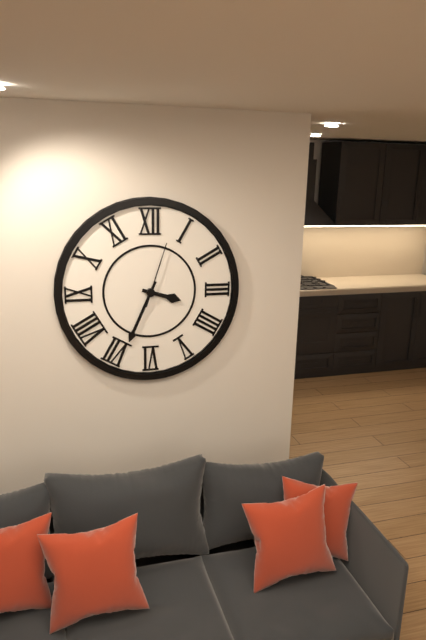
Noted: {"hour": 3, "minute": 34, "second": 3}
